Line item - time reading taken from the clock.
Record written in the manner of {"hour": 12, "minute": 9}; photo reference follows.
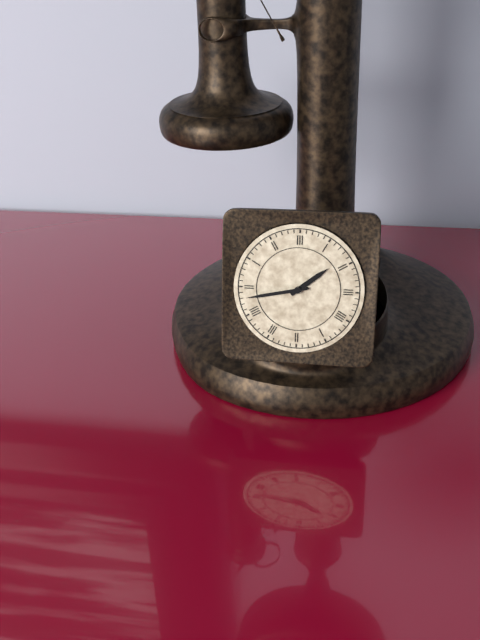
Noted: {"hour": 1, "minute": 43}
